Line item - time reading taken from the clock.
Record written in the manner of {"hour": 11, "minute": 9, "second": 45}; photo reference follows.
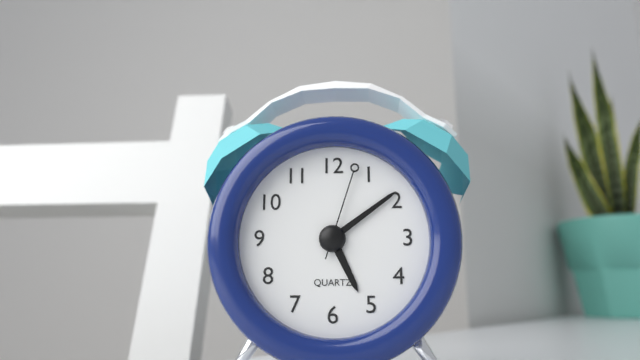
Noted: {"hour": 5, "minute": 9, "second": 3}
